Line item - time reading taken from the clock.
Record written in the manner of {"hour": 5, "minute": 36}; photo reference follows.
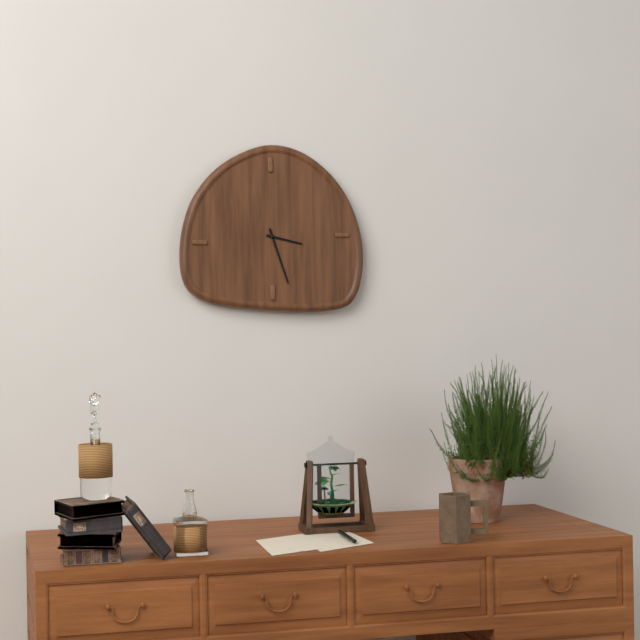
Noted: {"hour": 3, "minute": 27}
